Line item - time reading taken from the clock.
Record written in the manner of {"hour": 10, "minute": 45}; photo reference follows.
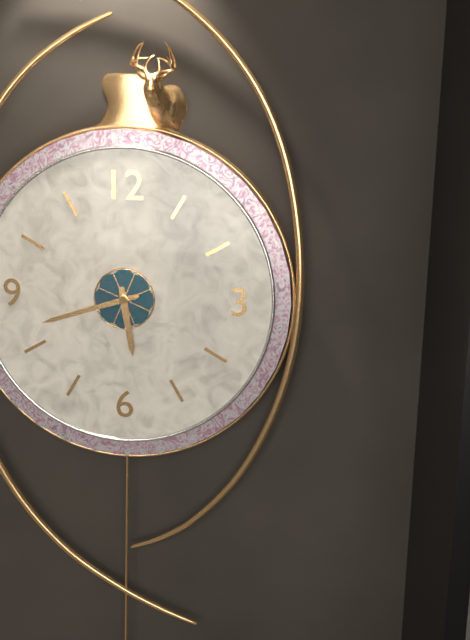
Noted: {"hour": 5, "minute": 42}
